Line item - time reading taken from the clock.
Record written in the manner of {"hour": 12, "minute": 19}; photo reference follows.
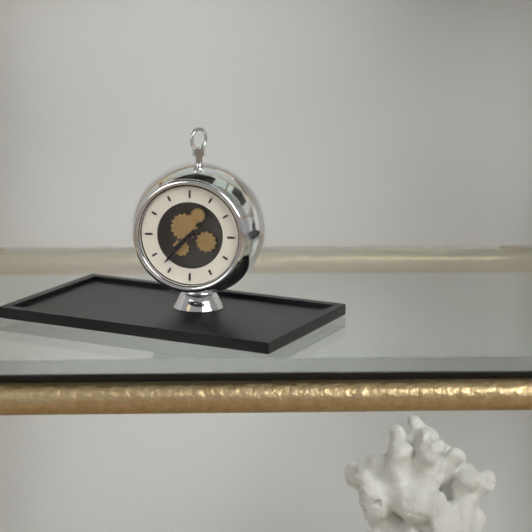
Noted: {"hour": 7, "minute": 37}
